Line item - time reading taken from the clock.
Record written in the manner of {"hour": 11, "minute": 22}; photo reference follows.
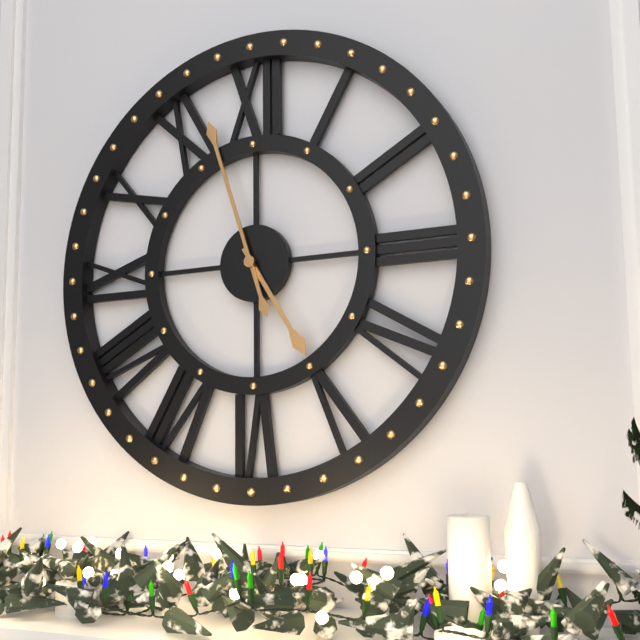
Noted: {"hour": 4, "minute": 57}
